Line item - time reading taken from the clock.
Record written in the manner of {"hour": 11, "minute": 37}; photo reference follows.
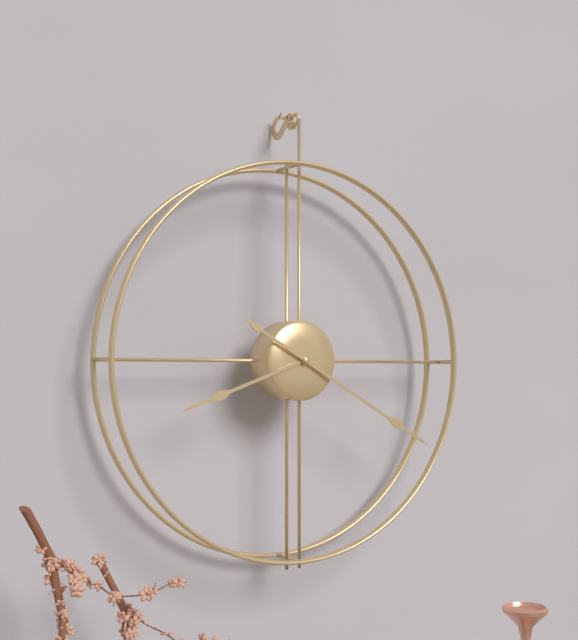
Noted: {"hour": 8, "minute": 20}
